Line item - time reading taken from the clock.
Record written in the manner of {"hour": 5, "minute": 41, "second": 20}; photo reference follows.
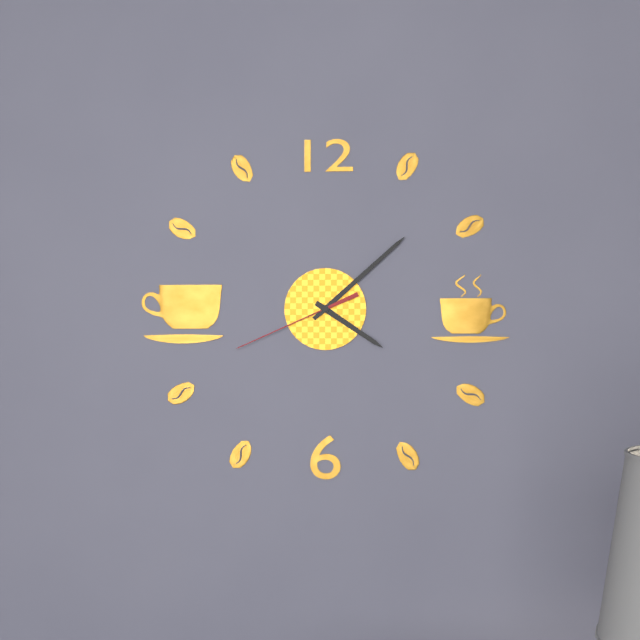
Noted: {"hour": 4, "minute": 8, "second": 41}
